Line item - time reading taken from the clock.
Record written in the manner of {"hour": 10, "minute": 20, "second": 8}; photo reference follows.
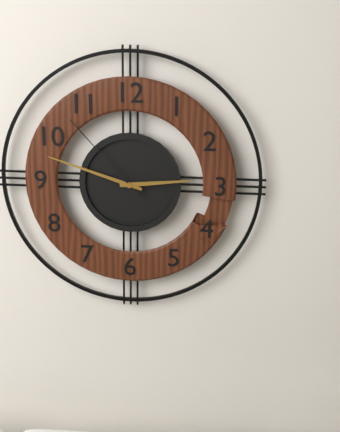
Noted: {"hour": 2, "minute": 48, "second": 53}
